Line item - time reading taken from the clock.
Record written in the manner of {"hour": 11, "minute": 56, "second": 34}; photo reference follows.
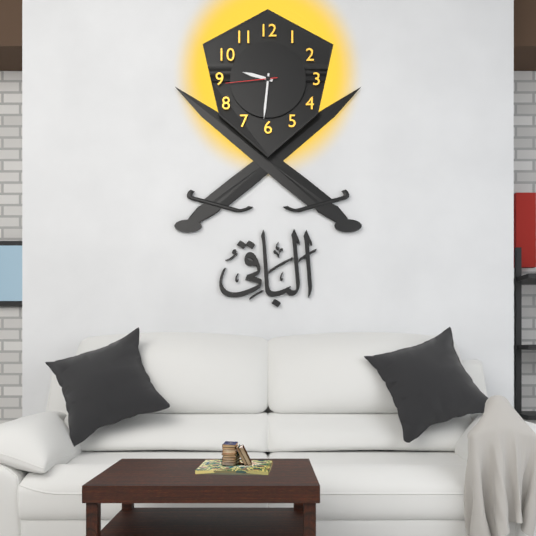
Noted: {"hour": 9, "minute": 31, "second": 44}
